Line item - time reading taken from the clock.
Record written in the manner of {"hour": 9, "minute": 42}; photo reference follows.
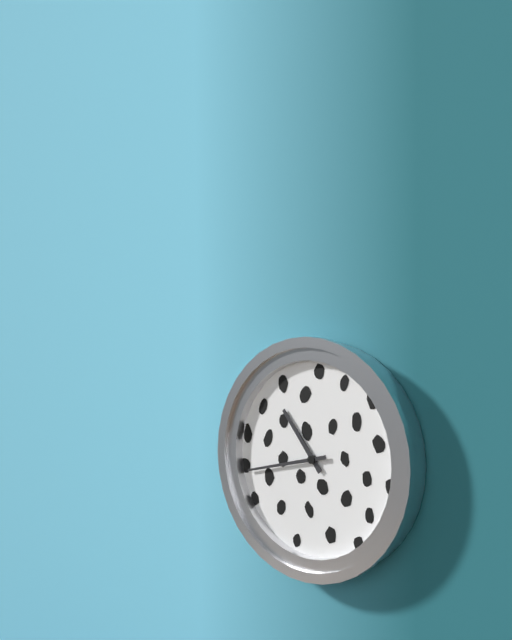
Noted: {"hour": 10, "minute": 43}
